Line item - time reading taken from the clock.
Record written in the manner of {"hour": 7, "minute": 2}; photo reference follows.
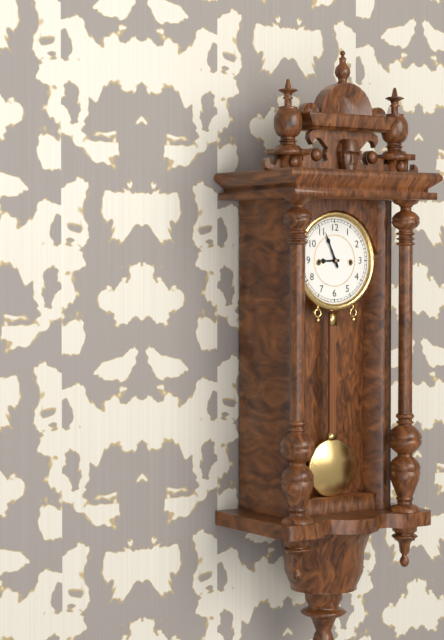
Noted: {"hour": 8, "minute": 56}
